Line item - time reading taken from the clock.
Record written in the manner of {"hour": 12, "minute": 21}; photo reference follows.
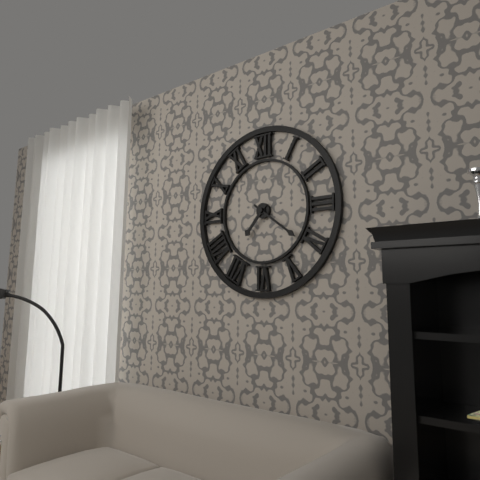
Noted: {"hour": 7, "minute": 21}
